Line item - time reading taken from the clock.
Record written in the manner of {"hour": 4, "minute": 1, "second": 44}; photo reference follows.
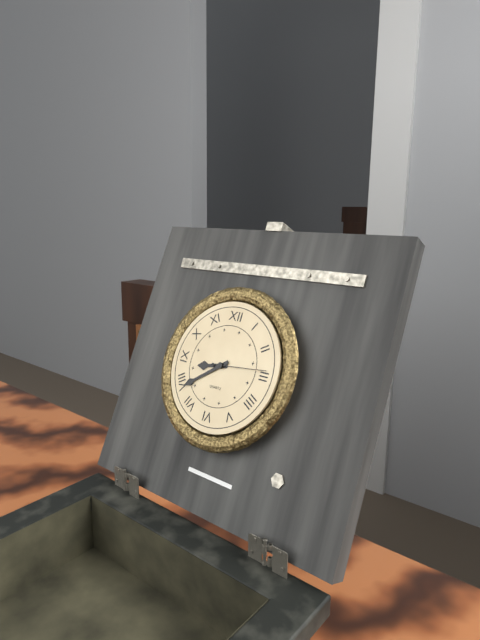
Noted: {"hour": 8, "minute": 39, "second": 14}
